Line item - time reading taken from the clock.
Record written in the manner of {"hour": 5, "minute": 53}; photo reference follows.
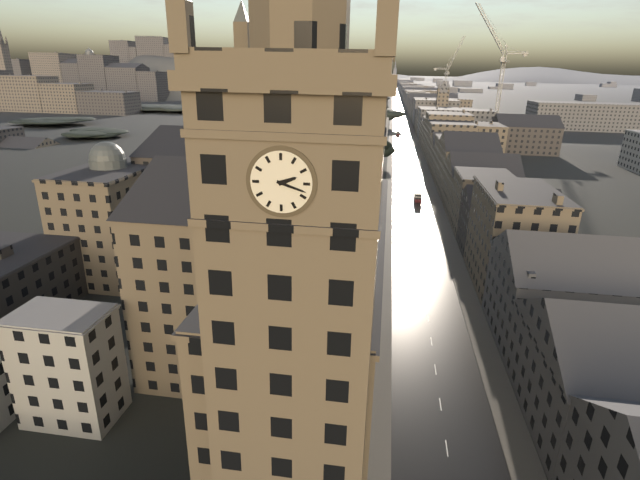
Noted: {"hour": 2, "minute": 18}
